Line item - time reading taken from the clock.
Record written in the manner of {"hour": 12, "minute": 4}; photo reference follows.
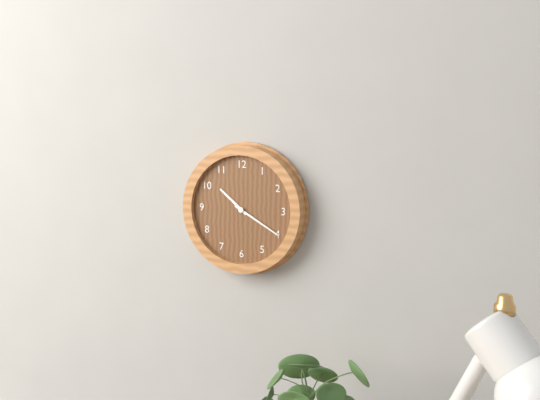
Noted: {"hour": 10, "minute": 20}
